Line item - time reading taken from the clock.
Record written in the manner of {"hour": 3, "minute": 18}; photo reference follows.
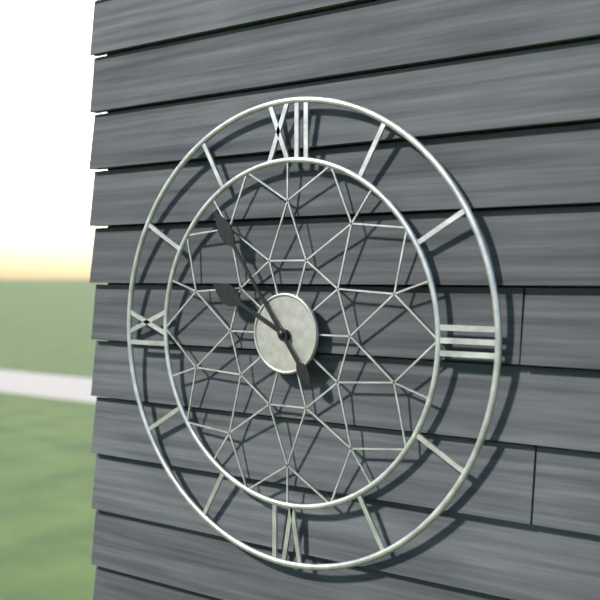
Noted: {"hour": 9, "minute": 54}
